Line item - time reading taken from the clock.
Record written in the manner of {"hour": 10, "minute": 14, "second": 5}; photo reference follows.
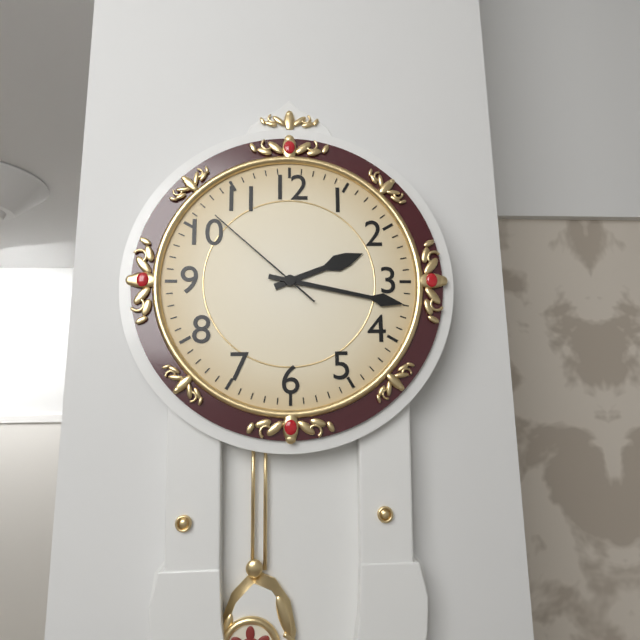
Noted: {"hour": 2, "minute": 17, "second": 52}
